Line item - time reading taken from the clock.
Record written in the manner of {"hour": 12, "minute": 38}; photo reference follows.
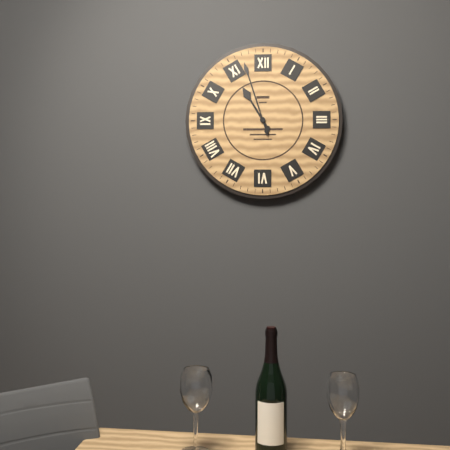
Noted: {"hour": 10, "minute": 57}
